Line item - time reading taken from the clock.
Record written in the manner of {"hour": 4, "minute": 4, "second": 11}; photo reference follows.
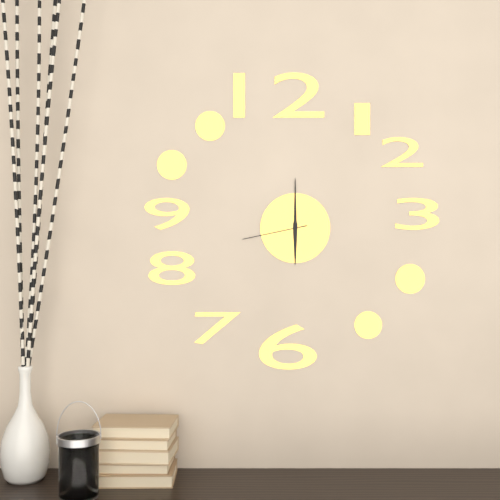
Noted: {"hour": 6, "minute": 0, "second": 43}
